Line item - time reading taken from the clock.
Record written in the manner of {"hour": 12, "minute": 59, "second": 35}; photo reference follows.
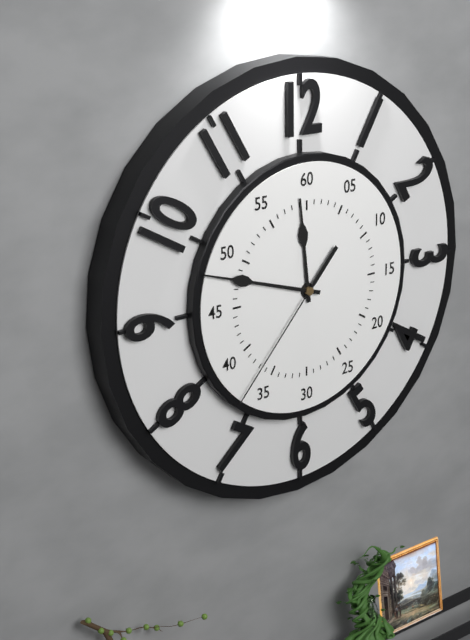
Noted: {"hour": 11, "minute": 48, "second": 37}
